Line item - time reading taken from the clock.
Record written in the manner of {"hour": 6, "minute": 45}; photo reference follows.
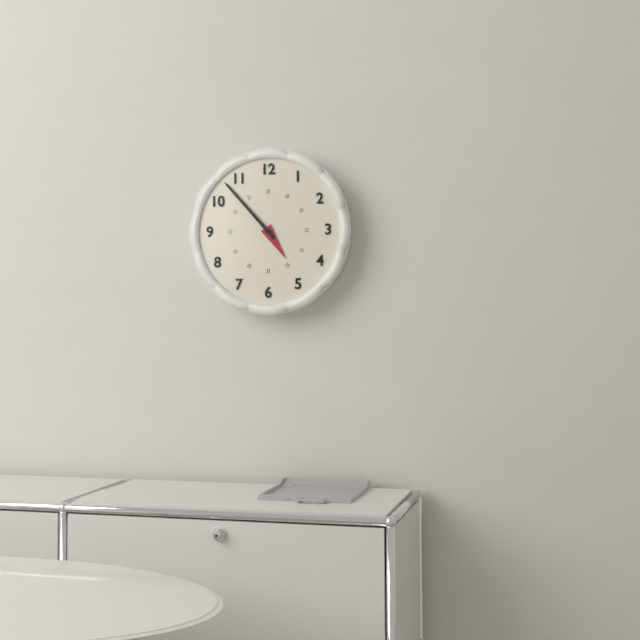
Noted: {"hour": 4, "minute": 53}
